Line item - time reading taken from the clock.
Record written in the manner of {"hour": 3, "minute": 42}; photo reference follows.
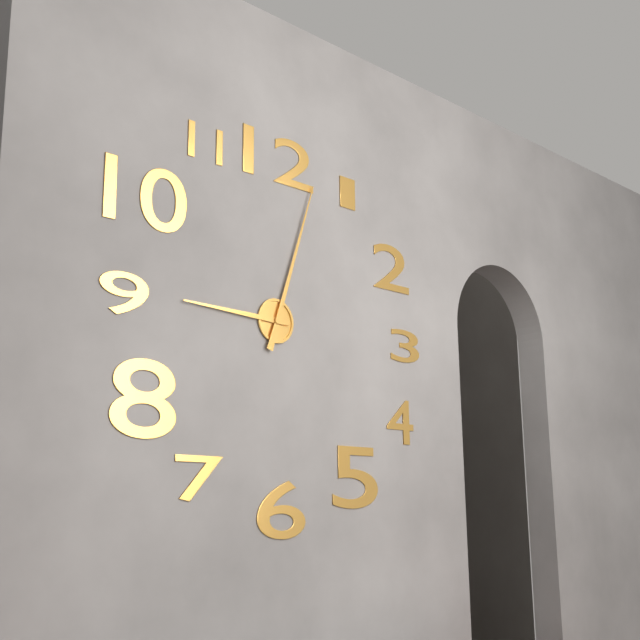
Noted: {"hour": 9, "minute": 3}
